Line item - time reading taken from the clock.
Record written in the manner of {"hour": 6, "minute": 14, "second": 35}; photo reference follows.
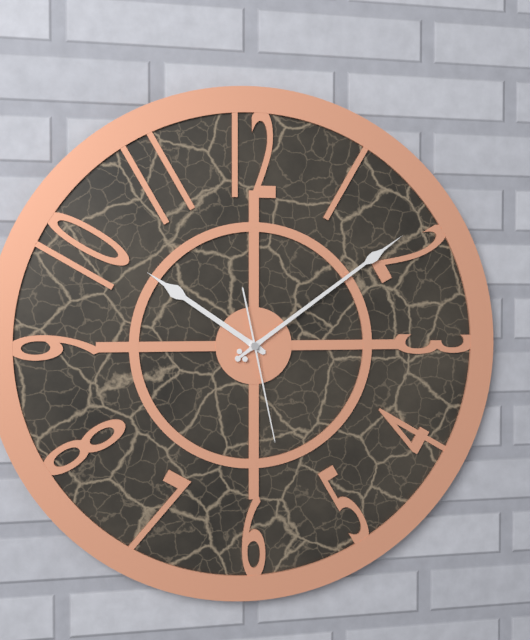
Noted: {"hour": 10, "minute": 9, "second": 28}
